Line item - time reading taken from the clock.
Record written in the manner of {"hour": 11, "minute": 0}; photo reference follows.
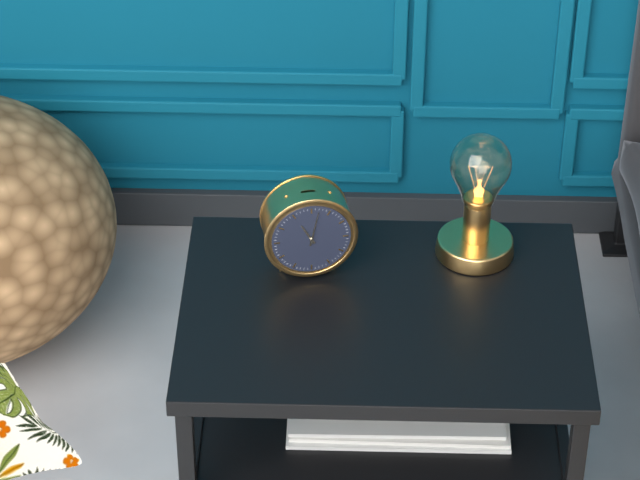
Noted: {"hour": 11, "minute": 2}
